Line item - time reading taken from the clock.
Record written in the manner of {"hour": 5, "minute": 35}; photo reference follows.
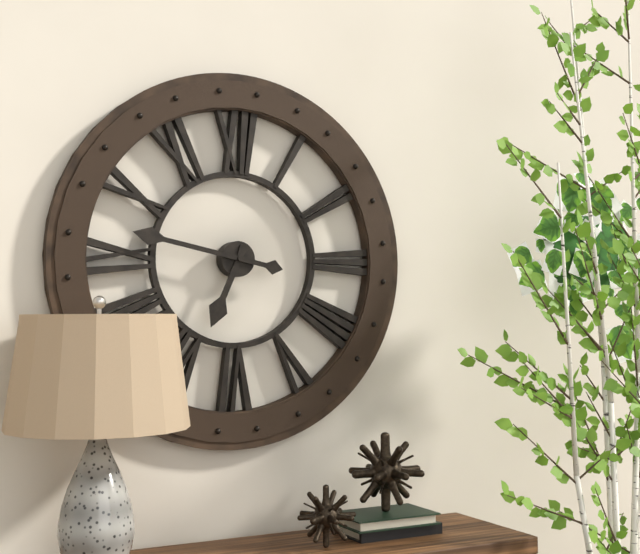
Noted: {"hour": 6, "minute": 47}
